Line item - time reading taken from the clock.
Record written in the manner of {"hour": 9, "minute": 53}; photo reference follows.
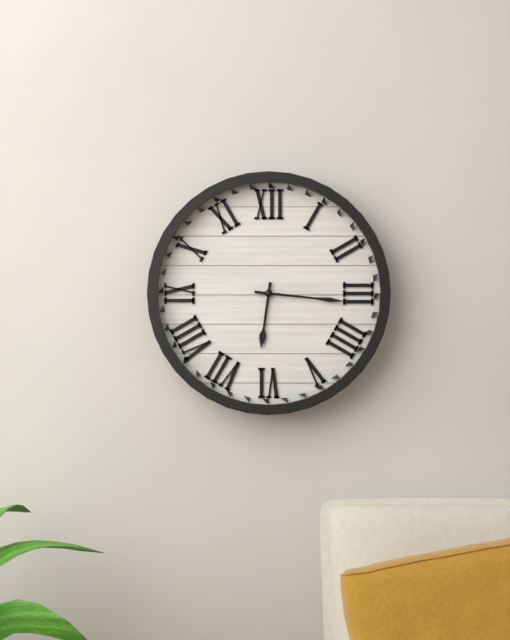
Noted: {"hour": 6, "minute": 16}
